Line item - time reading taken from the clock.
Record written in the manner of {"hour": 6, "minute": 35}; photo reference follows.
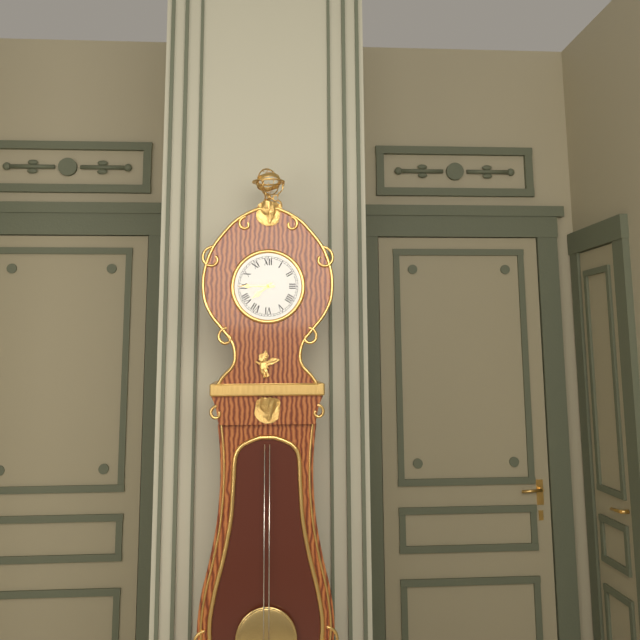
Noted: {"hour": 7, "minute": 45}
